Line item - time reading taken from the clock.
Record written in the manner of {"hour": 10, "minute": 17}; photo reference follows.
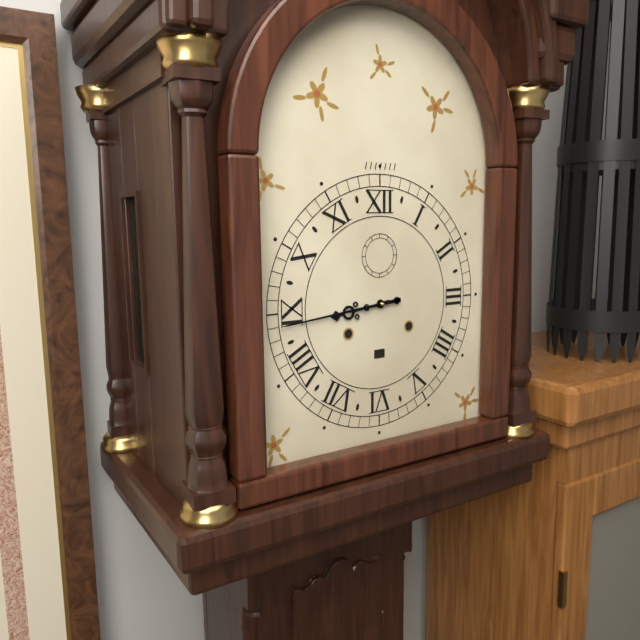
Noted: {"hour": 8, "minute": 44}
